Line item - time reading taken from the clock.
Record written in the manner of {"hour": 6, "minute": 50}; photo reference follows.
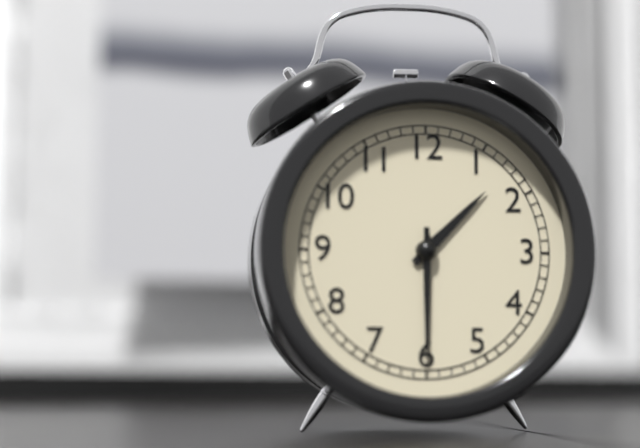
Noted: {"hour": 1, "minute": 30}
